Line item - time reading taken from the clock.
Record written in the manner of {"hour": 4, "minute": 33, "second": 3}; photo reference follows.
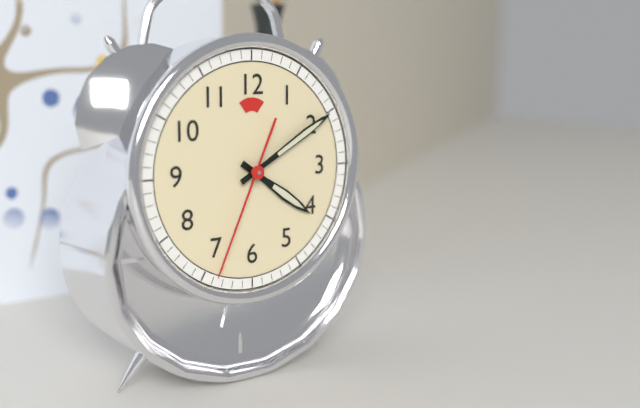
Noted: {"hour": 4, "minute": 10, "second": 34}
